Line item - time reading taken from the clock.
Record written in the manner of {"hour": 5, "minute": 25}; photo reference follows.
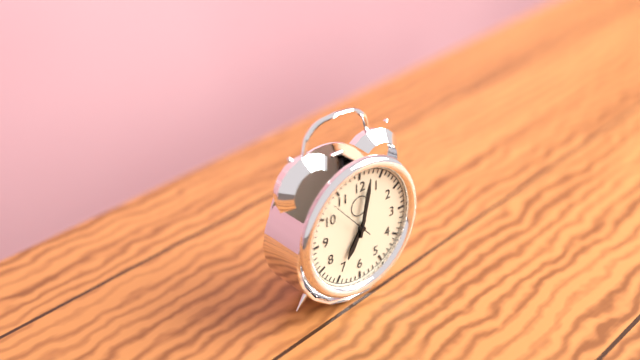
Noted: {"hour": 7, "minute": 2}
